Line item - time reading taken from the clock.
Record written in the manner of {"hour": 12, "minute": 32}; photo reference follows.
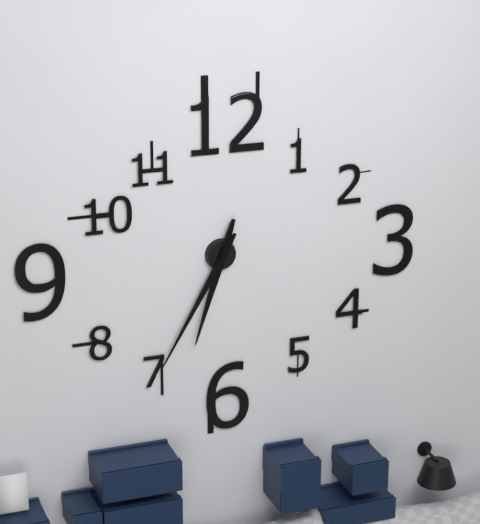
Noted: {"hour": 6, "minute": 35}
